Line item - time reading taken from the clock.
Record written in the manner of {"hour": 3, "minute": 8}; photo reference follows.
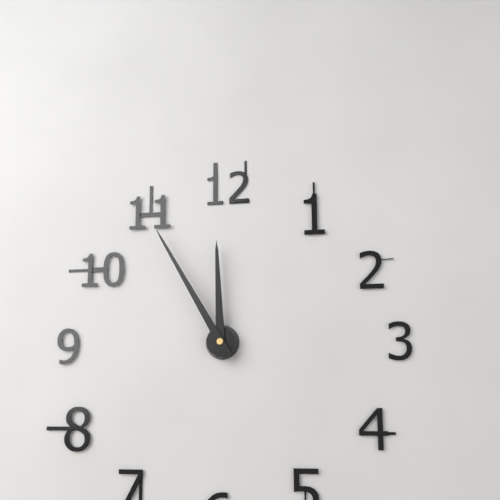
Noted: {"hour": 11, "minute": 55}
